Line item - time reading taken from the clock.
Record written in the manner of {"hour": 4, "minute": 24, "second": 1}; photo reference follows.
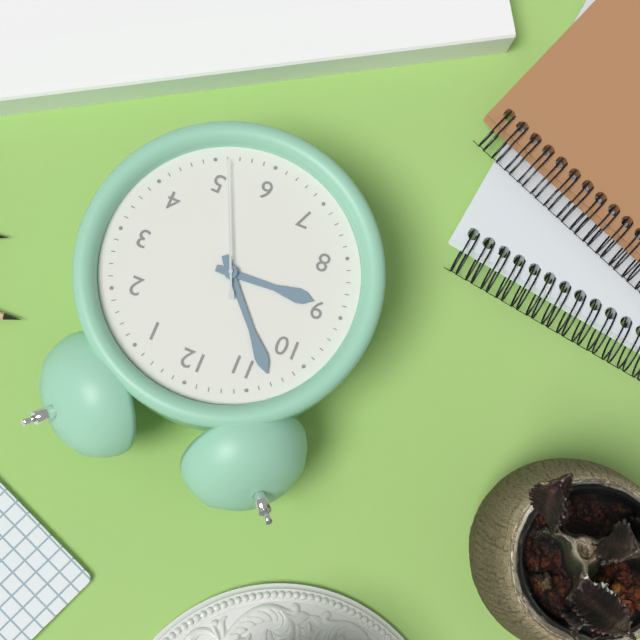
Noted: {"hour": 8, "minute": 53, "second": 26}
